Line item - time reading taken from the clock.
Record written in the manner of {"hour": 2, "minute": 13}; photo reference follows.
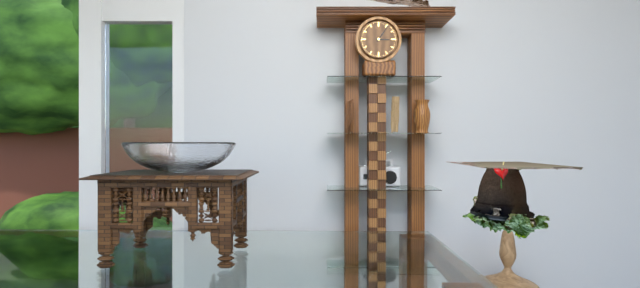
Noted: {"hour": 3, "minute": 6}
